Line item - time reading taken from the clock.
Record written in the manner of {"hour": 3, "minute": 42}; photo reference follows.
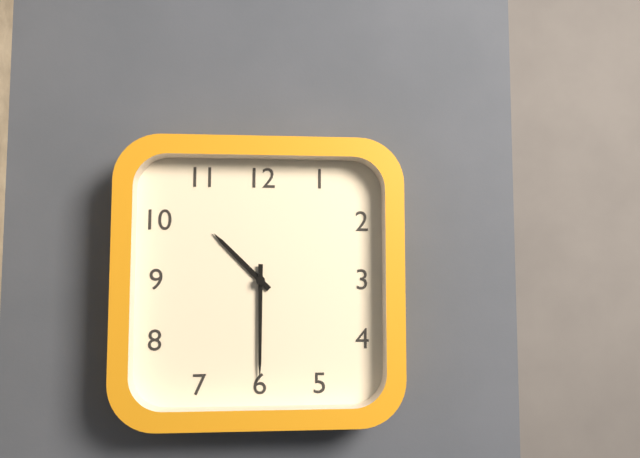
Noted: {"hour": 10, "minute": 30}
